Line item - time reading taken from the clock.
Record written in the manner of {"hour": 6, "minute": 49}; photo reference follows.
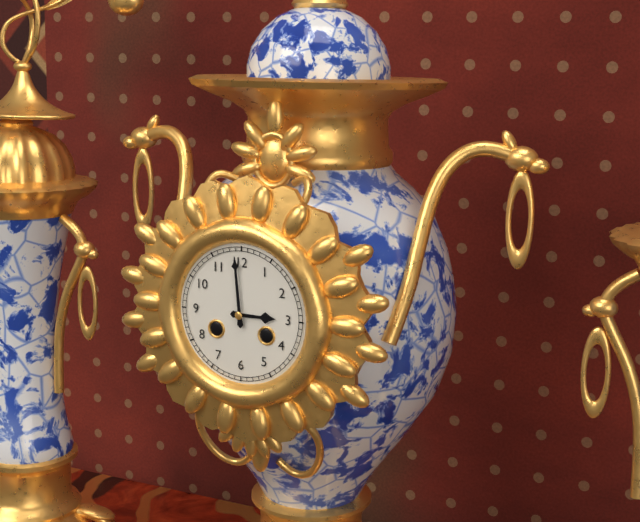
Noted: {"hour": 2, "minute": 59}
